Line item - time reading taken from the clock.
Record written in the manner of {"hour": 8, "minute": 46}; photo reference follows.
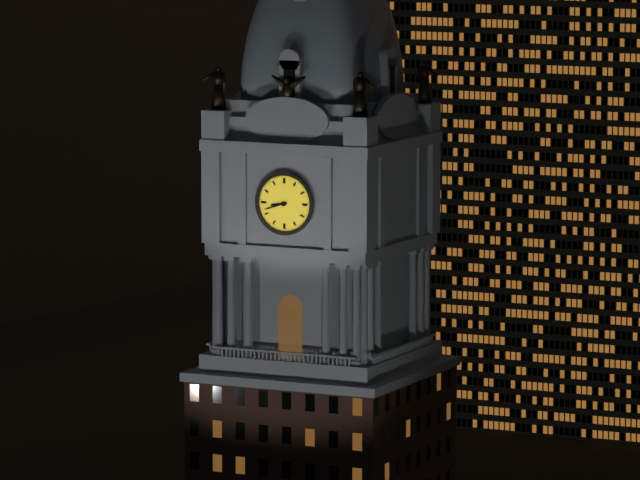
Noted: {"hour": 8, "minute": 42}
